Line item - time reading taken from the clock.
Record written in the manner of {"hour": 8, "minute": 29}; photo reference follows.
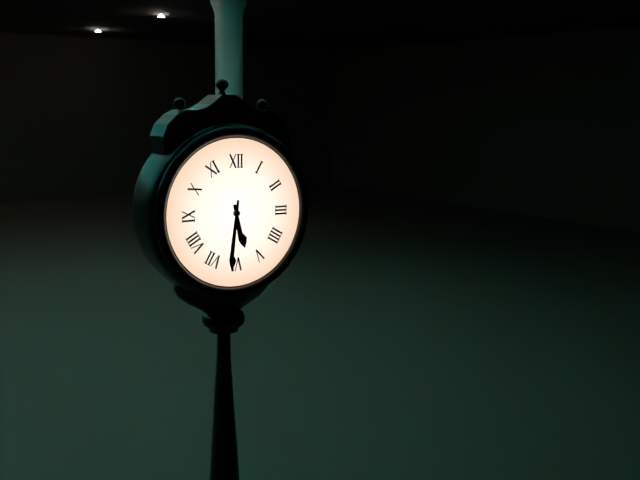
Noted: {"hour": 5, "minute": 31}
